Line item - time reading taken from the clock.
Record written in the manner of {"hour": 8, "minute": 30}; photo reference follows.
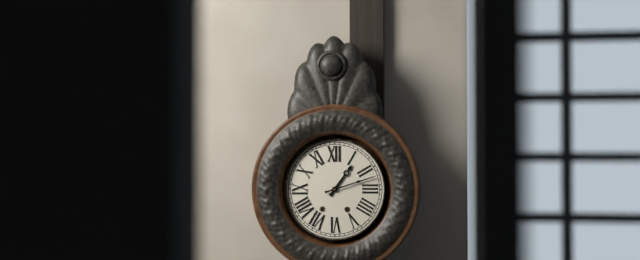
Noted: {"hour": 1, "minute": 12}
